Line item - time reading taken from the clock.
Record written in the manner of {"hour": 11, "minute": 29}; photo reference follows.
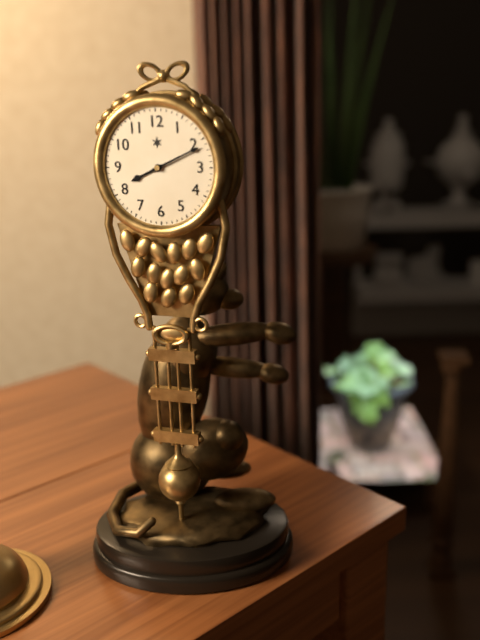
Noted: {"hour": 8, "minute": 11}
